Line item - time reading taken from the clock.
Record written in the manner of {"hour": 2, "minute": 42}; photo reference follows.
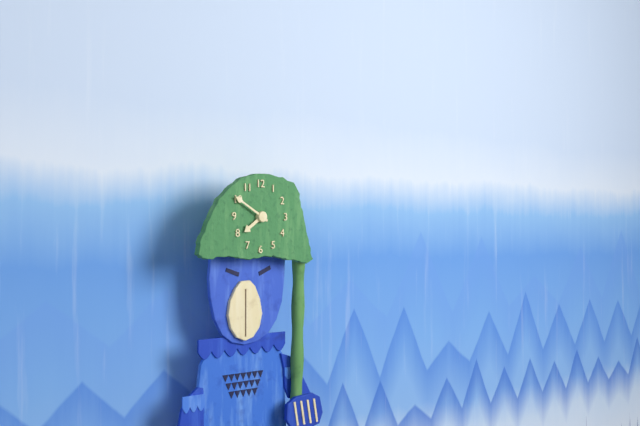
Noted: {"hour": 7, "minute": 50}
